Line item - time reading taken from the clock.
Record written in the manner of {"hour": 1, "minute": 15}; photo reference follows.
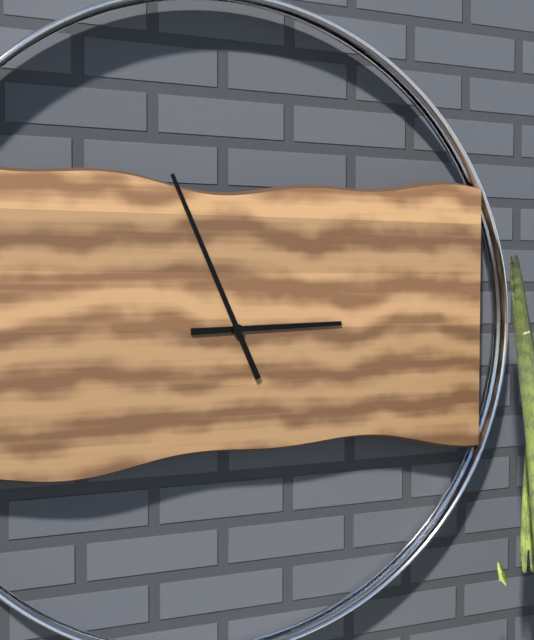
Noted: {"hour": 2, "minute": 56}
